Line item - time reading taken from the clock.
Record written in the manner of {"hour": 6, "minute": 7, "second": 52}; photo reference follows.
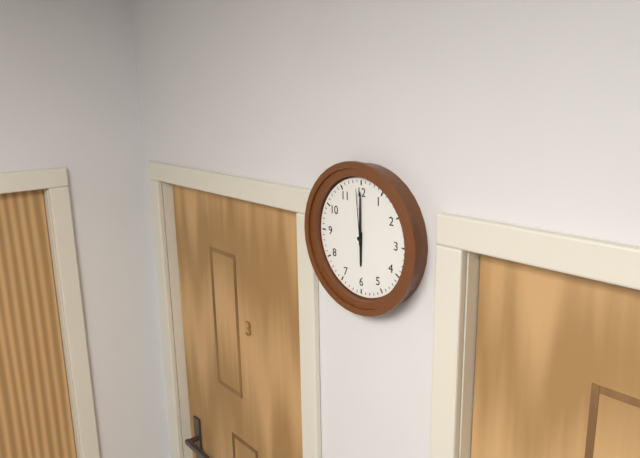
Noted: {"hour": 6, "minute": 0, "second": 59}
